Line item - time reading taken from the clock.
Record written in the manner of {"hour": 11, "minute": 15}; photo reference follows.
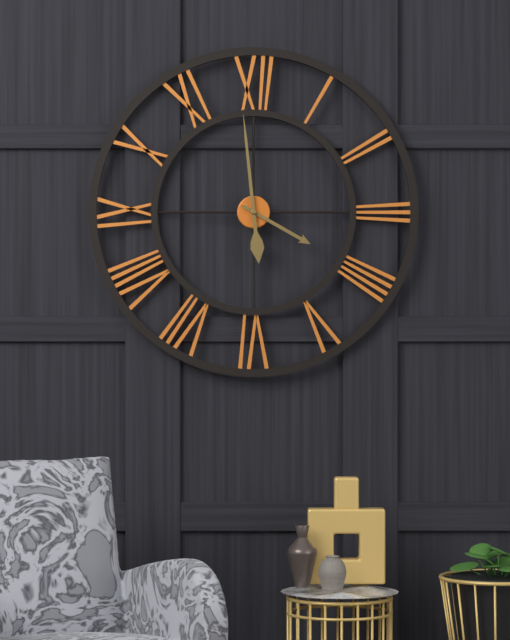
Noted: {"hour": 3, "minute": 59}
